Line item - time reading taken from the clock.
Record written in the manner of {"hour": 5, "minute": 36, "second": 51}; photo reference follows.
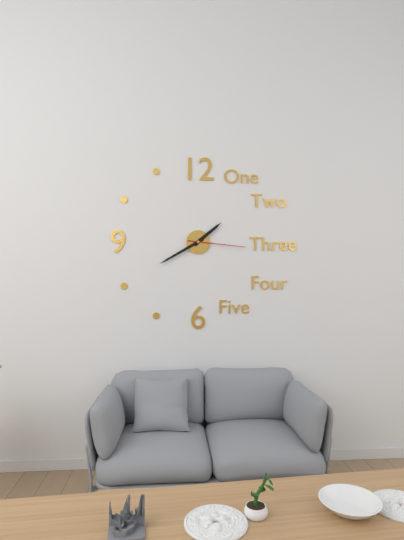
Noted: {"hour": 1, "minute": 40, "second": 16}
